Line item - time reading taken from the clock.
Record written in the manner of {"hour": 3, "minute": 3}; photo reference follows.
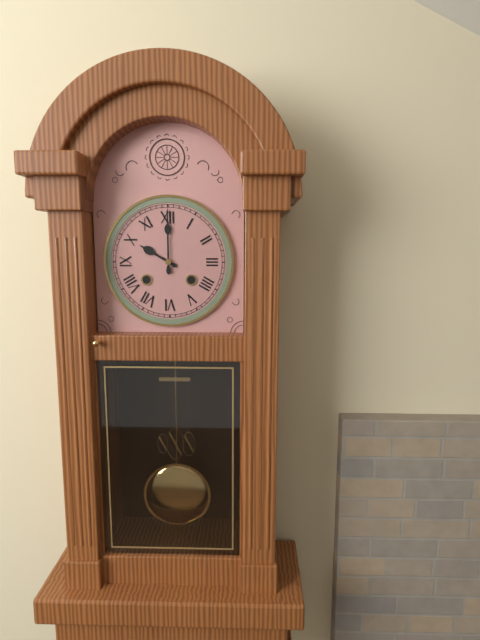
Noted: {"hour": 10, "minute": 0}
